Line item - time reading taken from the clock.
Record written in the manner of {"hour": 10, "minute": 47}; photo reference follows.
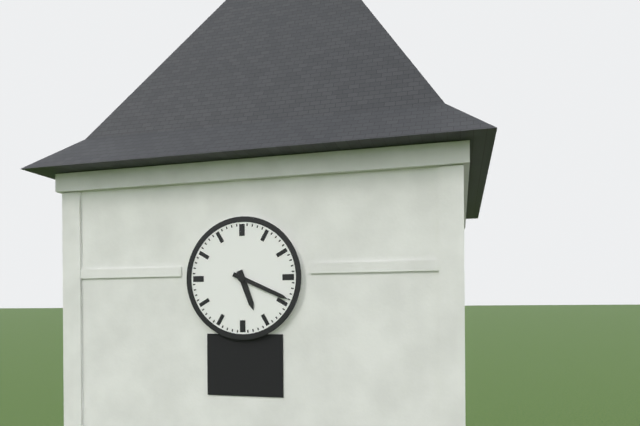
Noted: {"hour": 5, "minute": 19}
